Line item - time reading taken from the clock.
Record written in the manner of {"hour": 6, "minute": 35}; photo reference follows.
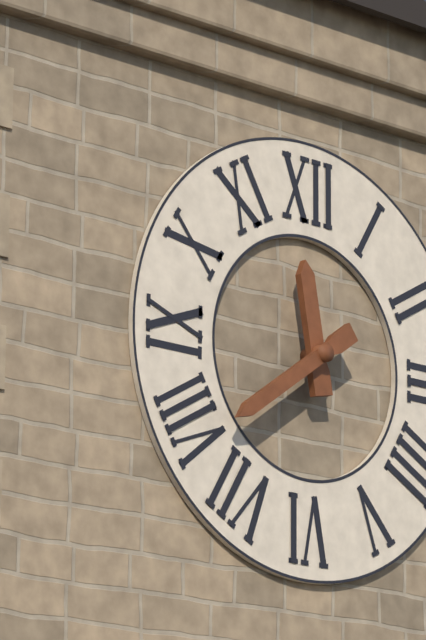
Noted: {"hour": 11, "minute": 39}
